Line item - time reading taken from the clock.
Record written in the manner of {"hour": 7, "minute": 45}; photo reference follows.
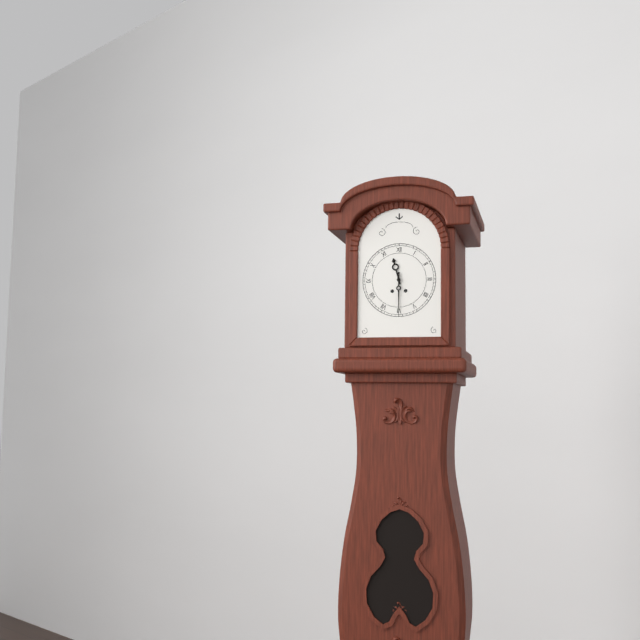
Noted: {"hour": 11, "minute": 30}
